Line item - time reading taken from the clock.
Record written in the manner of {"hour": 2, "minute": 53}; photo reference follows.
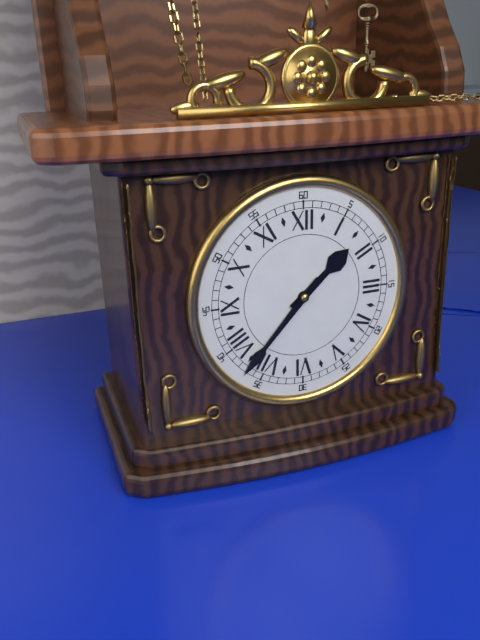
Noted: {"hour": 1, "minute": 37}
